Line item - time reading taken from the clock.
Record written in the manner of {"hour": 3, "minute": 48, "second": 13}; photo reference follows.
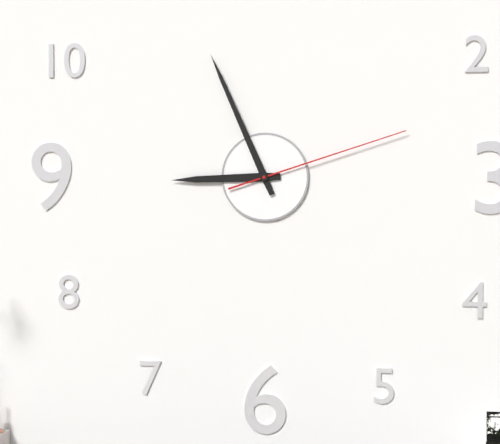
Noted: {"hour": 8, "minute": 56, "second": 12}
